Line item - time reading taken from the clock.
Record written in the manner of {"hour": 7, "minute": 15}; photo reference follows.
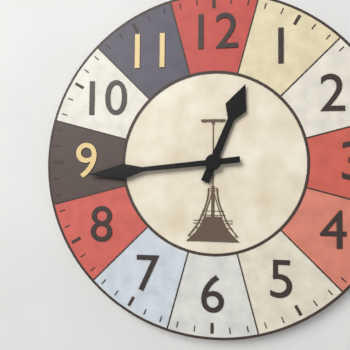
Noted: {"hour": 12, "minute": 44}
